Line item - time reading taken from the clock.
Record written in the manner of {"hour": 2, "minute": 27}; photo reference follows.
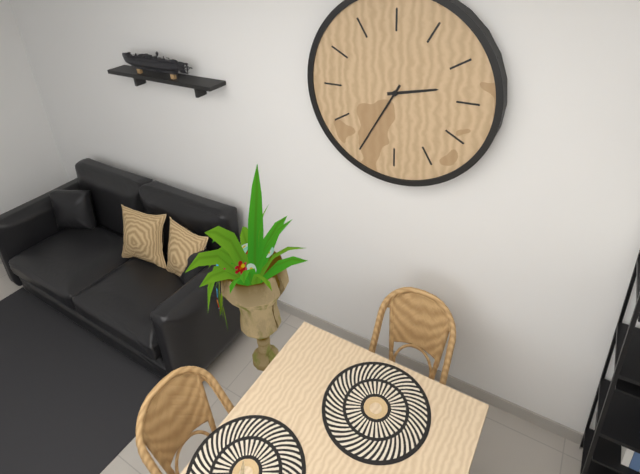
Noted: {"hour": 2, "minute": 35}
